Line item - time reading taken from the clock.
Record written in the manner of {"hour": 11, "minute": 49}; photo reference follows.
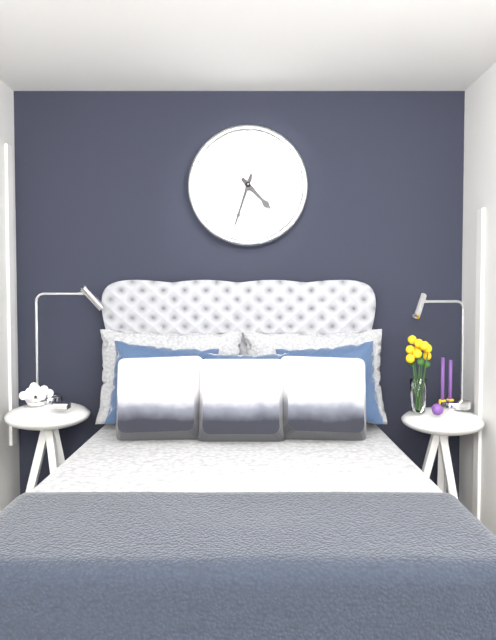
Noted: {"hour": 4, "minute": 33}
